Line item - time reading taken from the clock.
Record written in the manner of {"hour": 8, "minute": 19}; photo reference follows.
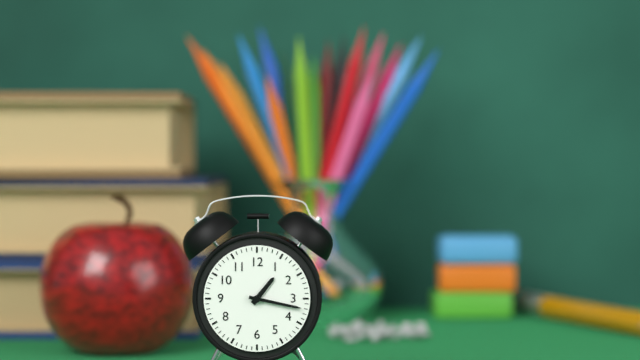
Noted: {"hour": 1, "minute": 17}
